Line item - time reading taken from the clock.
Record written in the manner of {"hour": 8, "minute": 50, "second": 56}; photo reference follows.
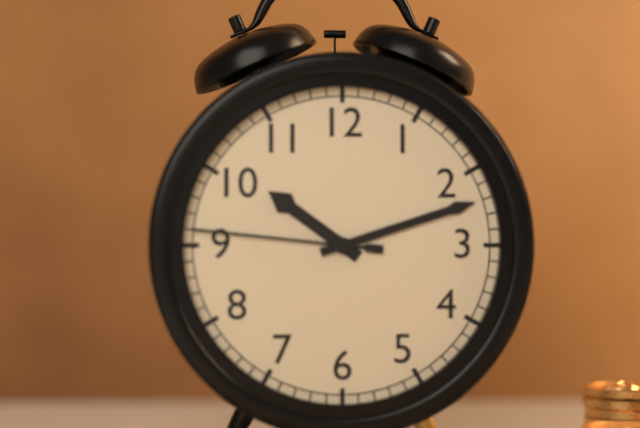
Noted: {"hour": 10, "minute": 12, "second": 46}
